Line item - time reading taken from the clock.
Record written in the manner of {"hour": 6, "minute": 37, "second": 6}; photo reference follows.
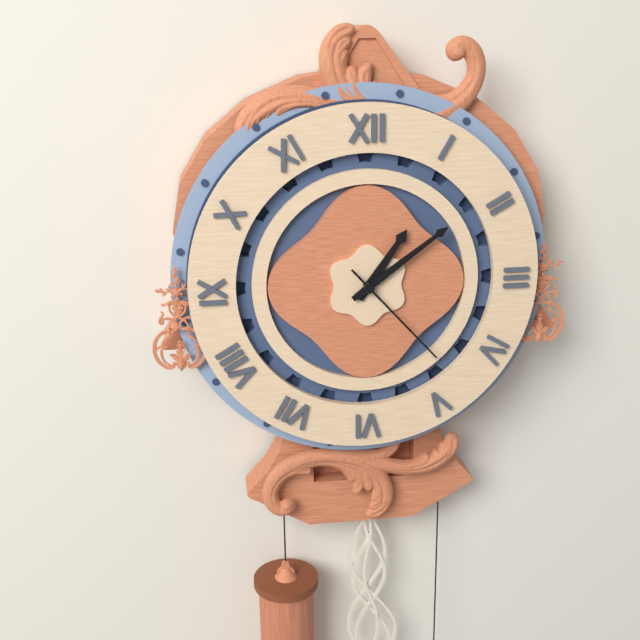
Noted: {"hour": 1, "minute": 9, "second": 23}
